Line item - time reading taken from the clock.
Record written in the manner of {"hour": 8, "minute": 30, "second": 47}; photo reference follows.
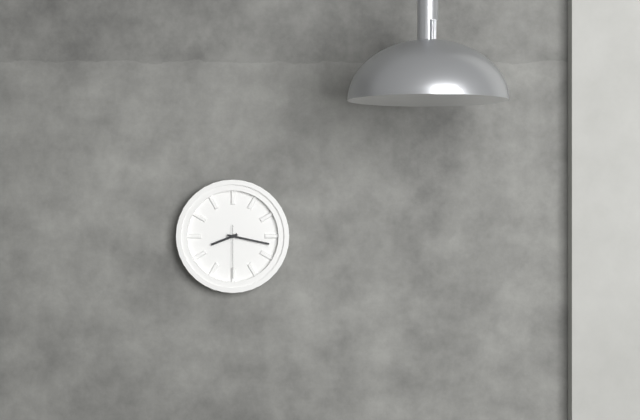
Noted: {"hour": 8, "minute": 17, "second": 30}
